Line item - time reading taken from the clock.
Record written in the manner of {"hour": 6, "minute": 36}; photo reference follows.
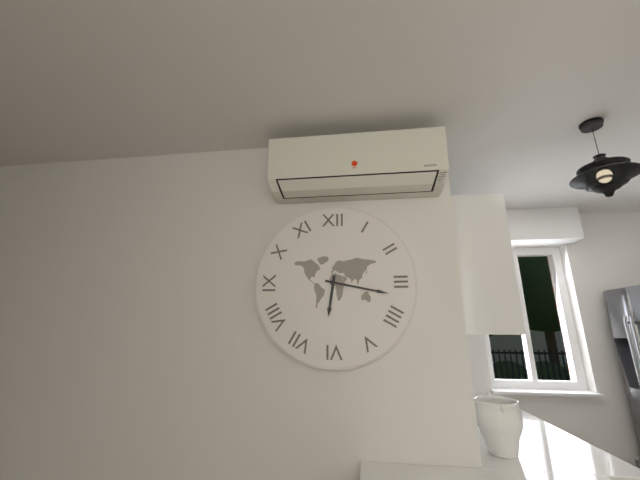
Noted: {"hour": 6, "minute": 17}
